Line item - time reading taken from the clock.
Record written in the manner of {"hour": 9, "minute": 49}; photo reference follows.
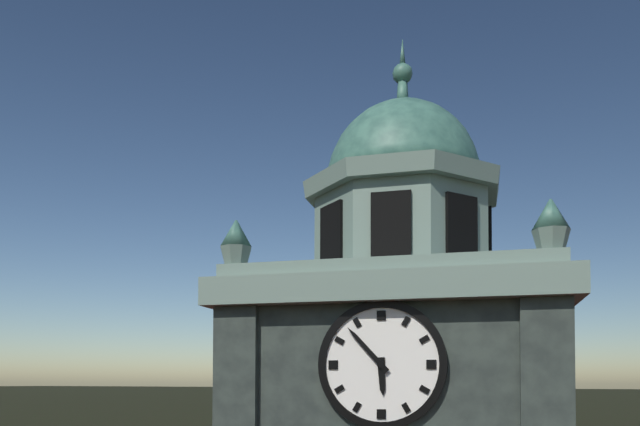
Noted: {"hour": 5, "minute": 53}
